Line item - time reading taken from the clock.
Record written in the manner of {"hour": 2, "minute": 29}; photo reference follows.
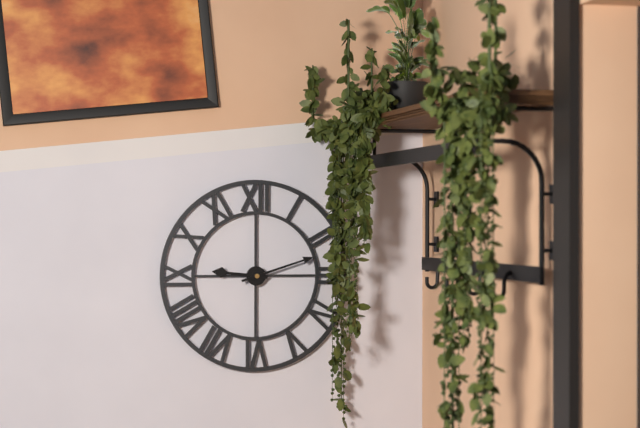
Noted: {"hour": 9, "minute": 12}
